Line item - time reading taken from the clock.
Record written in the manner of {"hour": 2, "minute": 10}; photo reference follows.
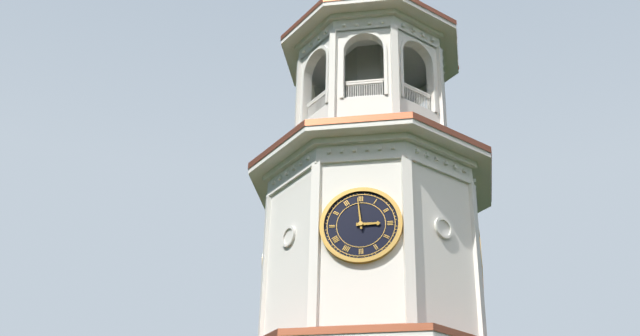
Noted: {"hour": 2, "minute": 59}
